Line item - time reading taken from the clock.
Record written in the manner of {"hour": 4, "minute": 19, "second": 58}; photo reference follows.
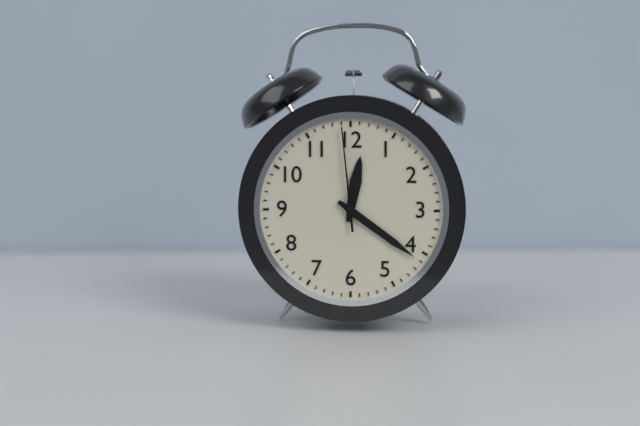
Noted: {"hour": 12, "minute": 21, "second": 59}
